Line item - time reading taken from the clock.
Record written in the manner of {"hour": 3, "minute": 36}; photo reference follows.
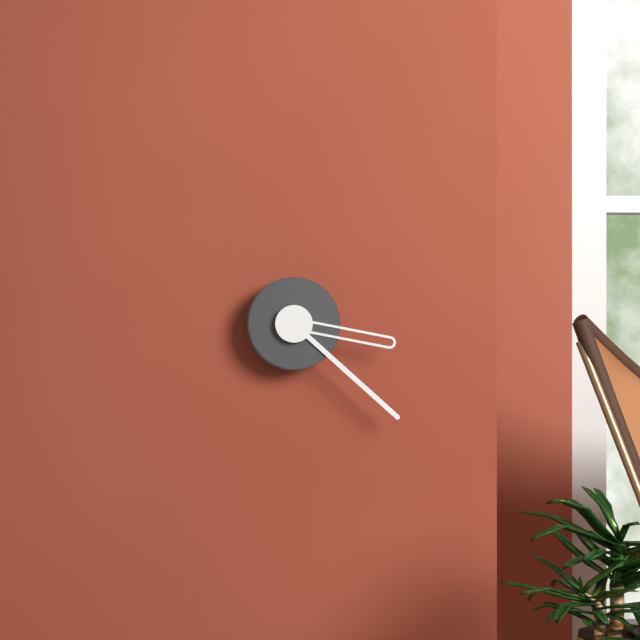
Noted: {"hour": 3, "minute": 22}
